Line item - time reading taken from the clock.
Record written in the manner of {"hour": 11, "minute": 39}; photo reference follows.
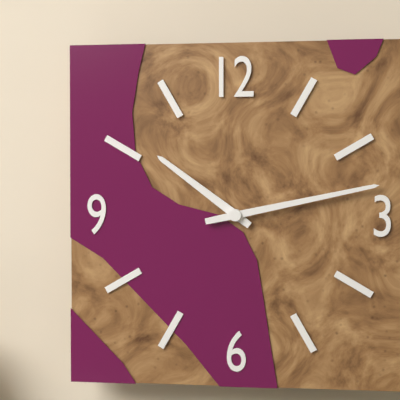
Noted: {"hour": 10, "minute": 13}
